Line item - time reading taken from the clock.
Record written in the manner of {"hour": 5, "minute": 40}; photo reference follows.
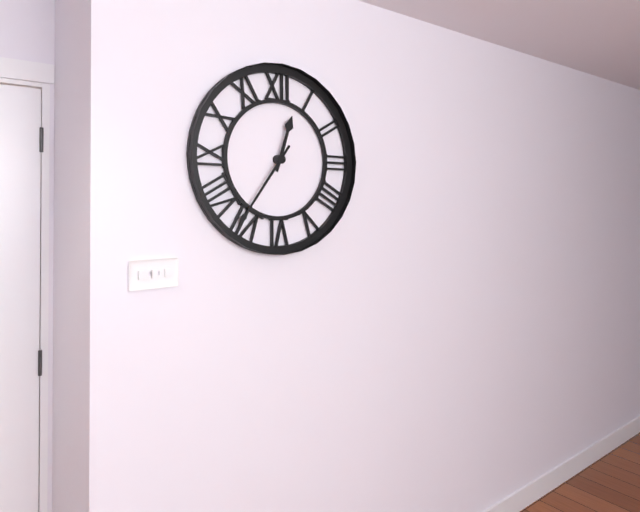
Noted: {"hour": 12, "minute": 36}
